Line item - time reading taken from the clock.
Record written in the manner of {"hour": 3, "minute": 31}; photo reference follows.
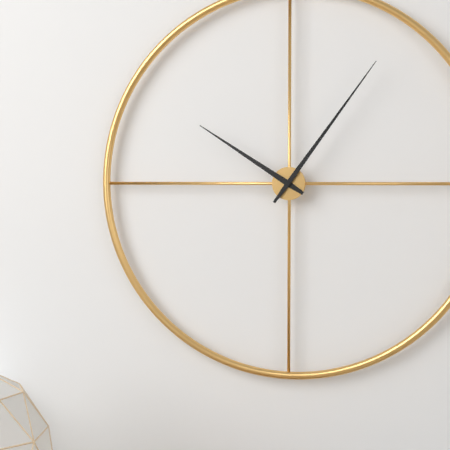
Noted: {"hour": 10, "minute": 6}
